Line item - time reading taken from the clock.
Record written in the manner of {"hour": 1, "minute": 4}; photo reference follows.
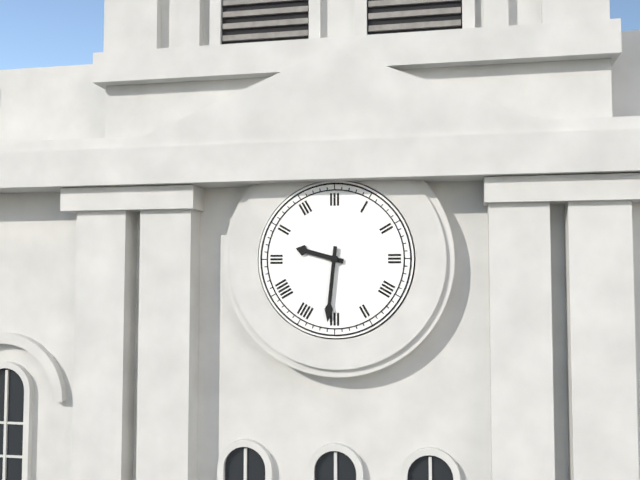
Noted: {"hour": 9, "minute": 31}
